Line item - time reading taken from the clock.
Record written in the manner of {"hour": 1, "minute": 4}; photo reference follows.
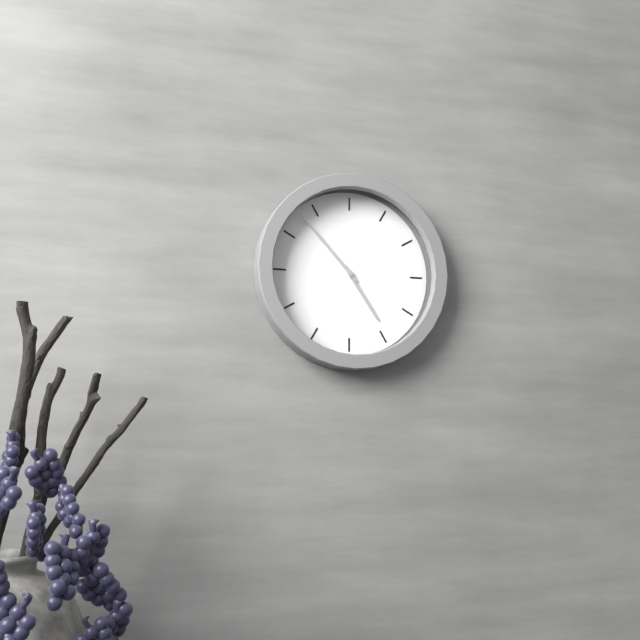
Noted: {"hour": 4, "minute": 53}
